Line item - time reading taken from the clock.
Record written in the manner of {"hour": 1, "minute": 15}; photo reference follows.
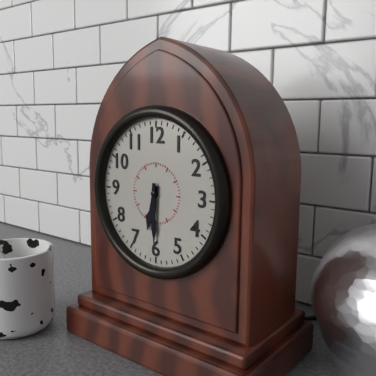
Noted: {"hour": 6, "minute": 30}
